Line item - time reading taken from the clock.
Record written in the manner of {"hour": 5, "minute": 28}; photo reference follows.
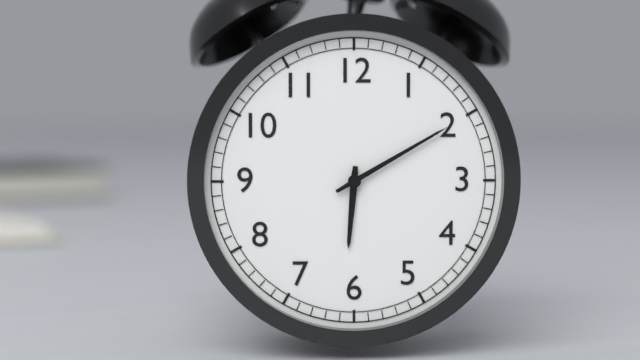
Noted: {"hour": 6, "minute": 10}
